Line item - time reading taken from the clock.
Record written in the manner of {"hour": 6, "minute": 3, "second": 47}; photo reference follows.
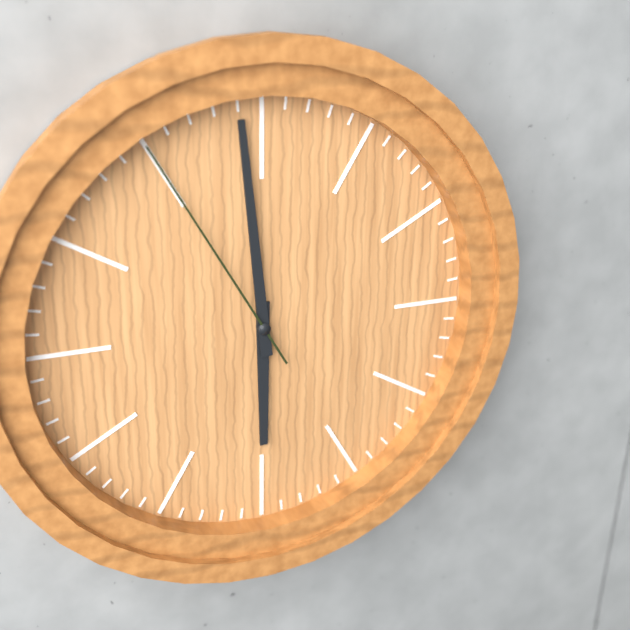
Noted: {"hour": 5, "minute": 59, "second": 55}
